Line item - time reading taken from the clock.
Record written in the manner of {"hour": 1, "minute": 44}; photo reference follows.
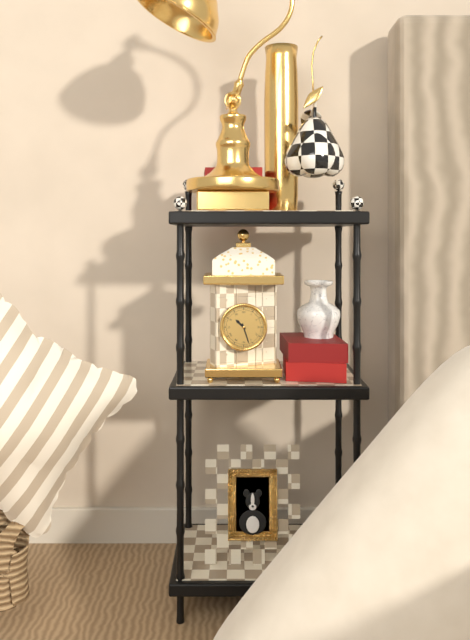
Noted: {"hour": 10, "minute": 27}
